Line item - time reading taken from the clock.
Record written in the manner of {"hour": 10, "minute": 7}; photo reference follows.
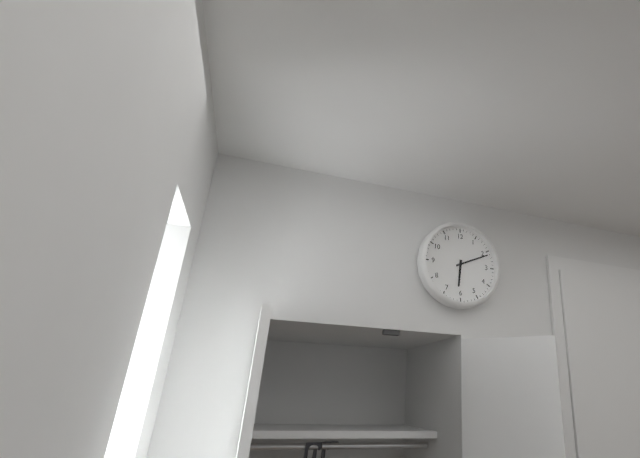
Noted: {"hour": 6, "minute": 11}
